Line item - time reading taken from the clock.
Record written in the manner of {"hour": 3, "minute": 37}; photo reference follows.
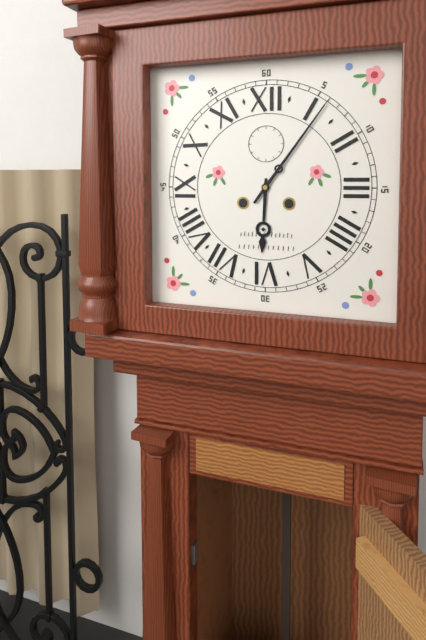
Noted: {"hour": 6, "minute": 6}
